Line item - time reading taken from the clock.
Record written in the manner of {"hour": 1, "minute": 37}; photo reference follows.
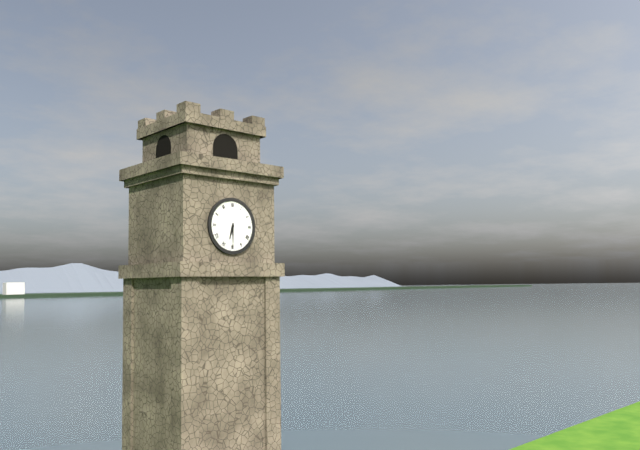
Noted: {"hour": 6, "minute": 30}
